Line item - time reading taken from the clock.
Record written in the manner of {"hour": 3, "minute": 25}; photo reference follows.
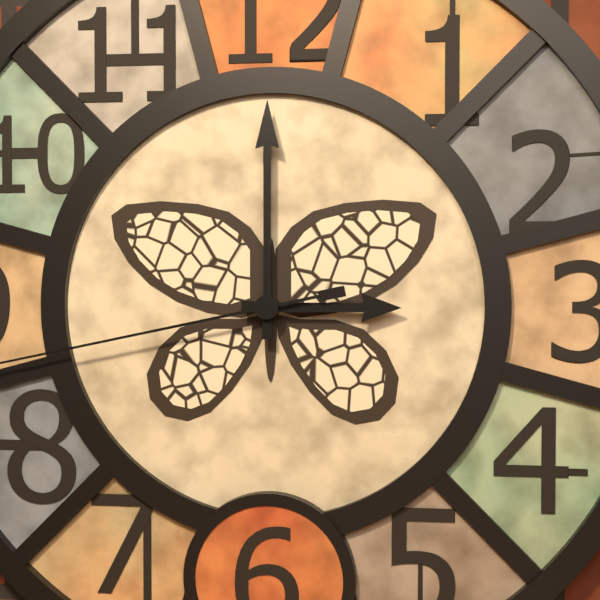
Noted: {"hour": 3, "minute": 0}
